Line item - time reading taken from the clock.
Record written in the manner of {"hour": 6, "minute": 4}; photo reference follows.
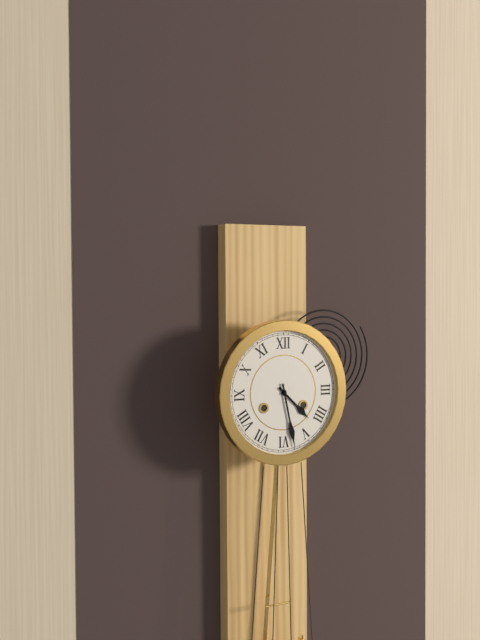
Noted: {"hour": 4, "minute": 28}
